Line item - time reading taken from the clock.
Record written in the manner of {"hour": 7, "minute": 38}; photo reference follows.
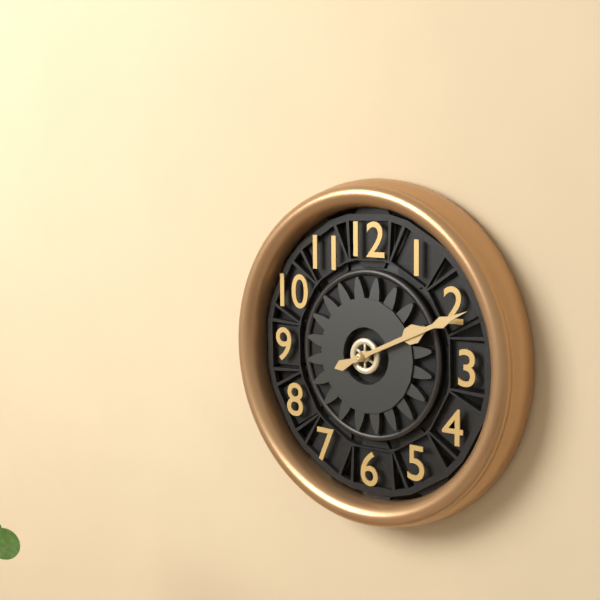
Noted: {"hour": 2, "minute": 11}
